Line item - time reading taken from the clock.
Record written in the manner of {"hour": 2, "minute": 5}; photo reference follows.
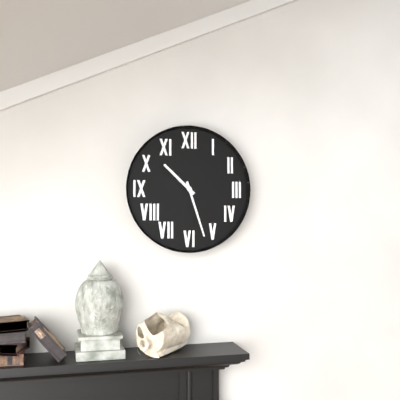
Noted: {"hour": 10, "minute": 27}
